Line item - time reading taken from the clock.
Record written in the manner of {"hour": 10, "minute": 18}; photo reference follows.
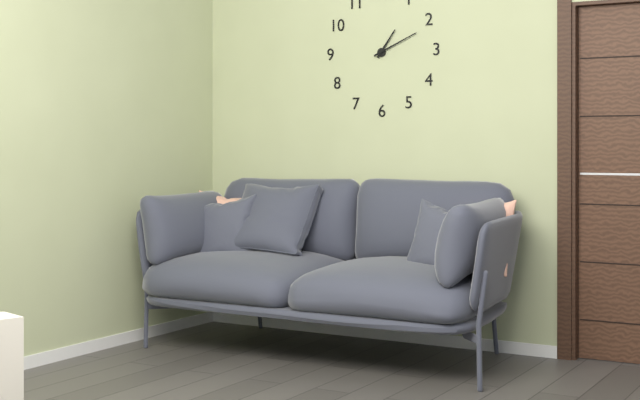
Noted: {"hour": 1, "minute": 11}
